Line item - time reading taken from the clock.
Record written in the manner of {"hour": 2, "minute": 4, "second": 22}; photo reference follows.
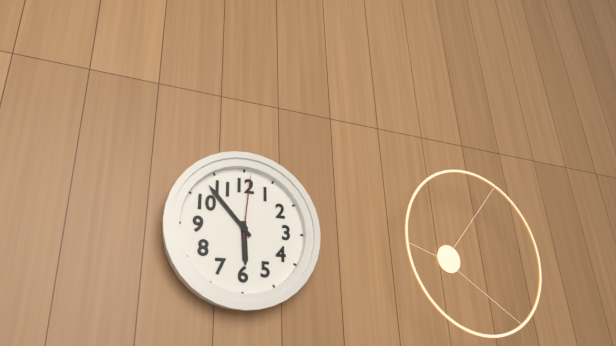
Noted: {"hour": 5, "minute": 53, "second": 1}
